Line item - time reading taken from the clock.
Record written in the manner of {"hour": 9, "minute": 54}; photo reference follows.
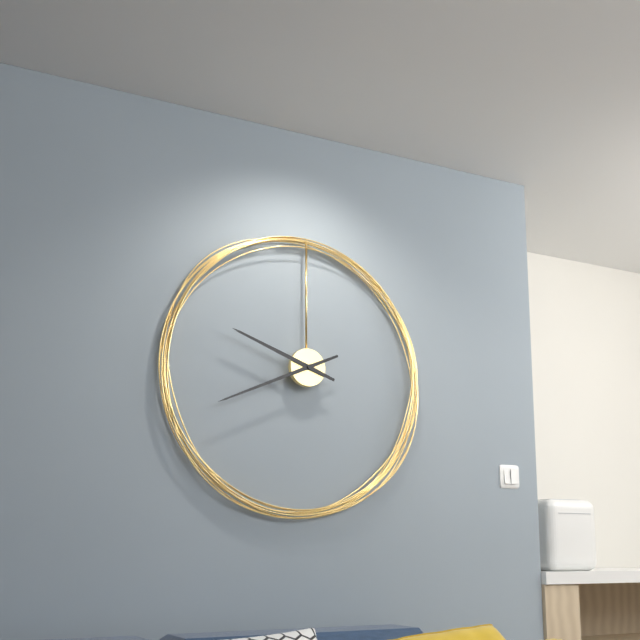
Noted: {"hour": 9, "minute": 41}
